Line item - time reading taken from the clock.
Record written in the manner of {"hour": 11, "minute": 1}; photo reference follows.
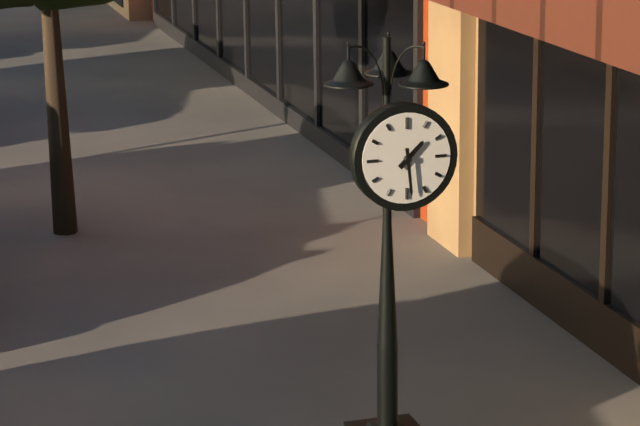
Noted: {"hour": 1, "minute": 29}
